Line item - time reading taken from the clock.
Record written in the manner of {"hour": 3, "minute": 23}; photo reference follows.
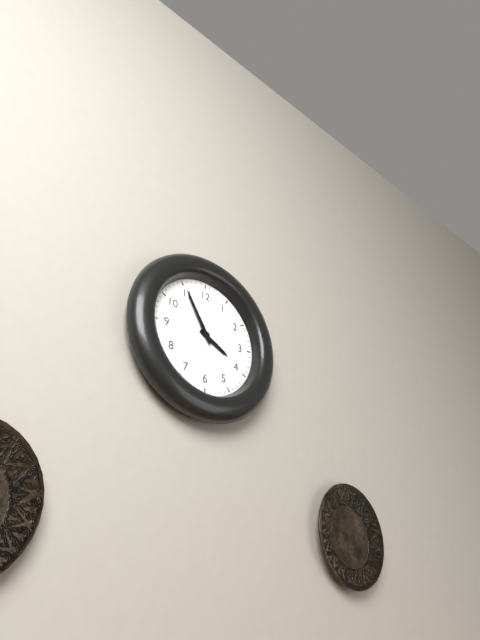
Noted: {"hour": 3, "minute": 55}
